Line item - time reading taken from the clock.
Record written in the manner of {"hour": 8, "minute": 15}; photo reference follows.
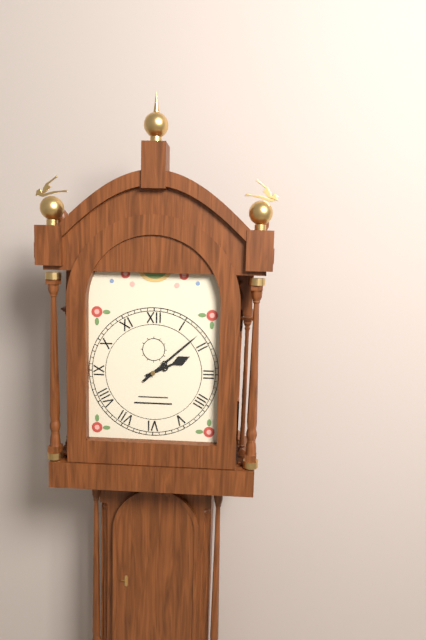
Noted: {"hour": 2, "minute": 8}
